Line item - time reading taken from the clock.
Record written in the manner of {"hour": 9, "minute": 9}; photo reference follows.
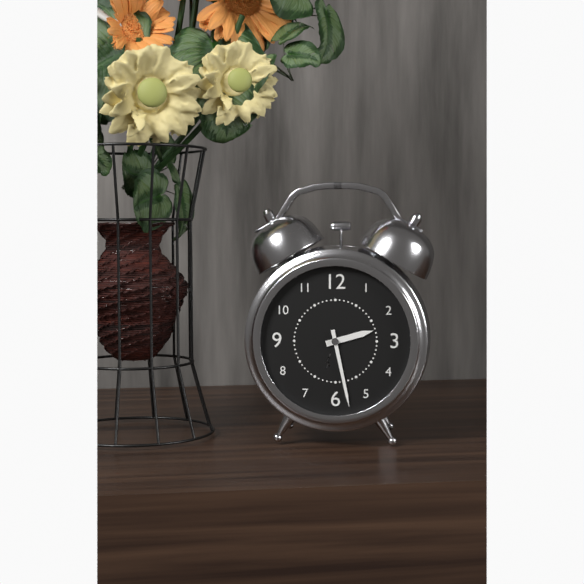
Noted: {"hour": 2, "minute": 28}
